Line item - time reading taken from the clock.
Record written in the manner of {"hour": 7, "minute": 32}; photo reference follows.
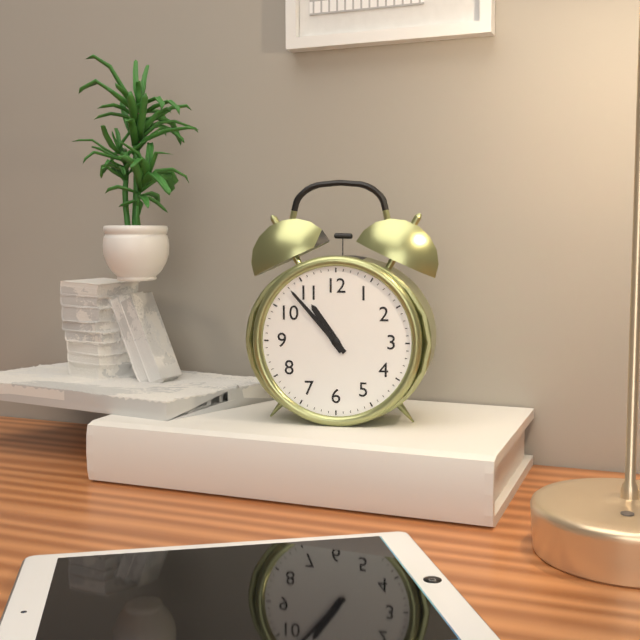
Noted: {"hour": 10, "minute": 53}
